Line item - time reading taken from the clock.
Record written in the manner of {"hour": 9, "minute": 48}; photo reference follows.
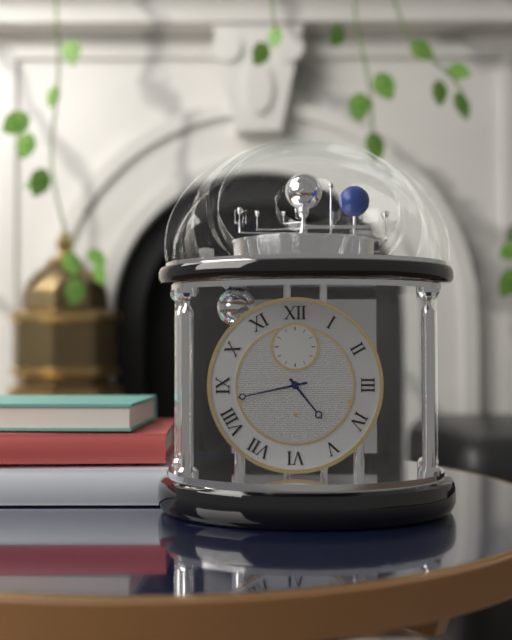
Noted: {"hour": 4, "minute": 43}
